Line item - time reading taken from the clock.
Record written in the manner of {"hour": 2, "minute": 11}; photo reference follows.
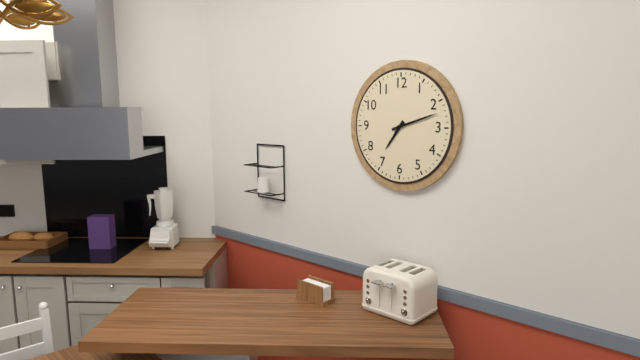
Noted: {"hour": 7, "minute": 12}
